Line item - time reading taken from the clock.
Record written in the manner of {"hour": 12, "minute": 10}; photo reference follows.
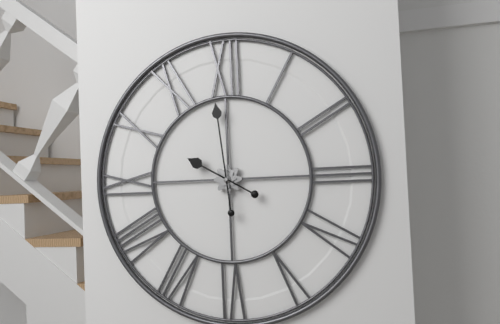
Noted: {"hour": 9, "minute": 59}
